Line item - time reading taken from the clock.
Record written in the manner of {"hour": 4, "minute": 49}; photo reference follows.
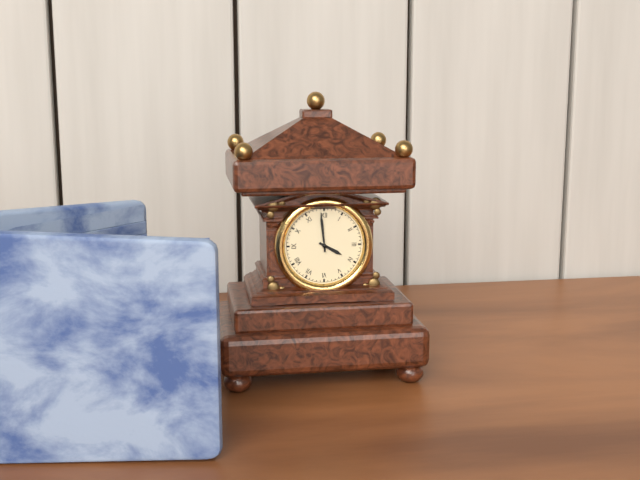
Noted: {"hour": 3, "minute": 59}
